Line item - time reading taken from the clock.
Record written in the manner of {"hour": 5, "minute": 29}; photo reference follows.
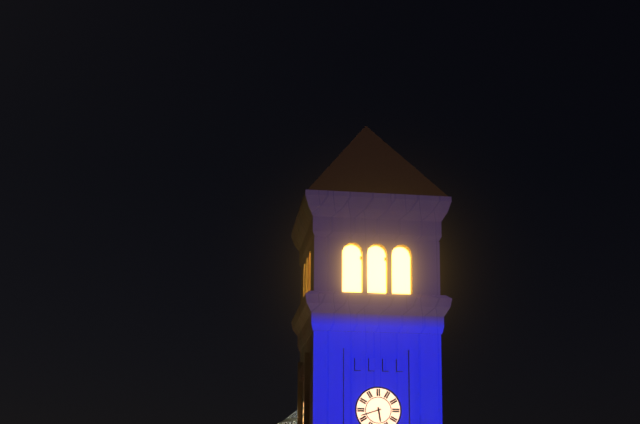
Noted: {"hour": 5, "minute": 42}
